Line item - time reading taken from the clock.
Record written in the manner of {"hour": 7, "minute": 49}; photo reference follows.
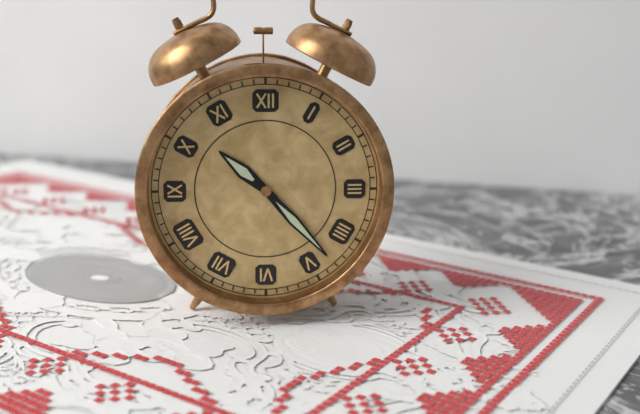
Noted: {"hour": 10, "minute": 23}
